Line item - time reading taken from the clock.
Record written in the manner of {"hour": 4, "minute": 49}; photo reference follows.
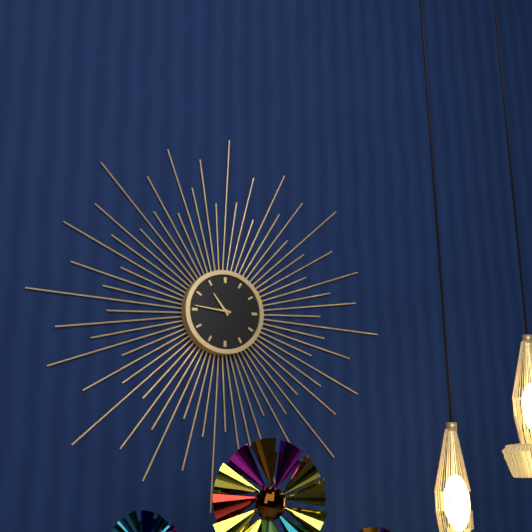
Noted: {"hour": 10, "minute": 46}
